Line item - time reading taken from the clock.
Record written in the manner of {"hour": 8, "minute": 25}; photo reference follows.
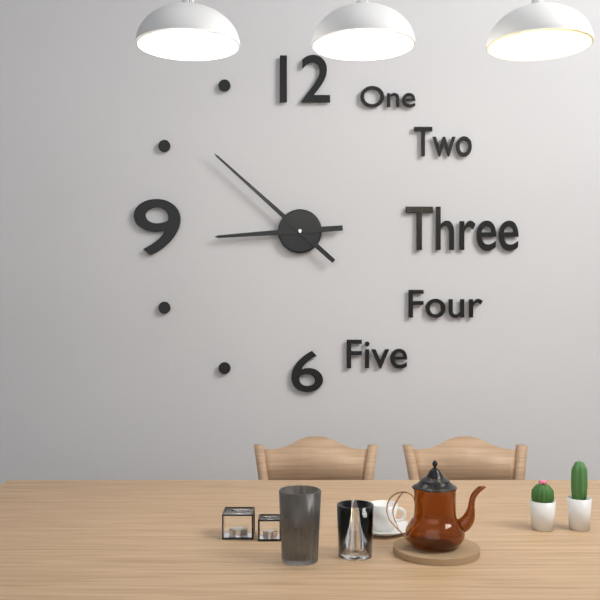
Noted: {"hour": 8, "minute": 52}
